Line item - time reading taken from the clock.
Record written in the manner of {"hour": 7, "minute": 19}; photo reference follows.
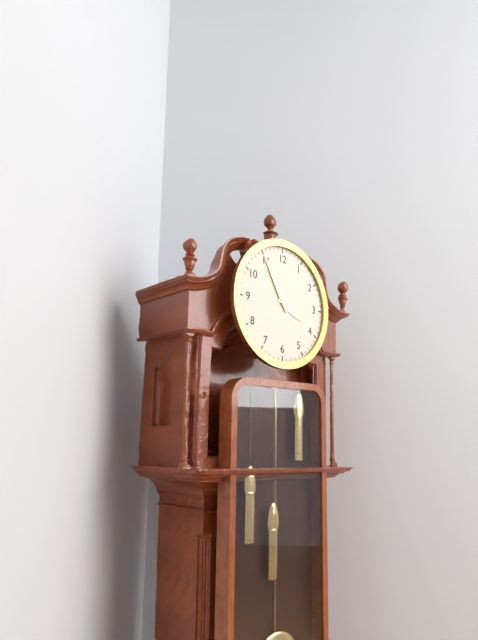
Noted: {"hour": 3, "minute": 55}
